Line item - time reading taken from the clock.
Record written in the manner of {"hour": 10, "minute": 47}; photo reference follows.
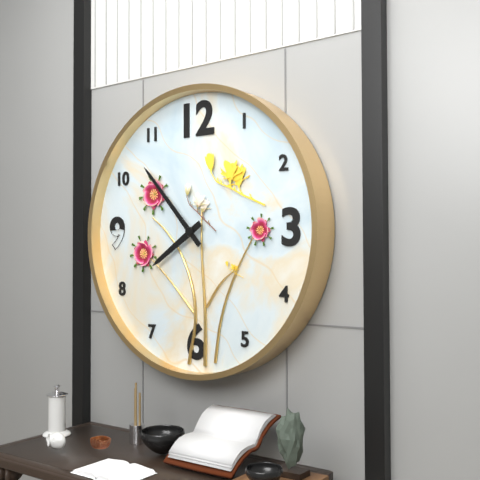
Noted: {"hour": 7, "minute": 53}
